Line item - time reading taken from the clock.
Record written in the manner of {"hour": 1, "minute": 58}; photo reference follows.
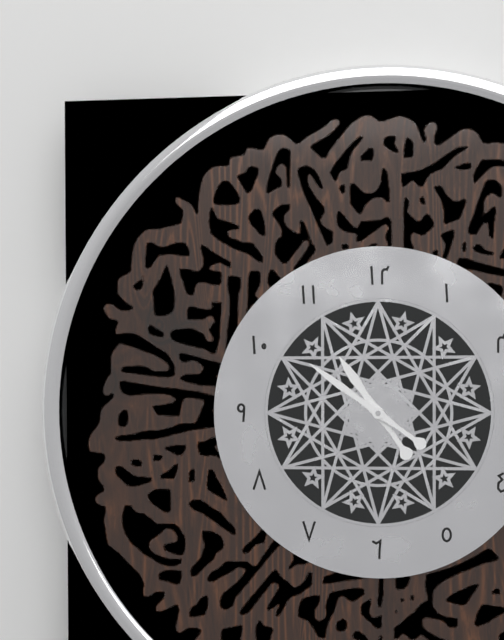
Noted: {"hour": 10, "minute": 51}
